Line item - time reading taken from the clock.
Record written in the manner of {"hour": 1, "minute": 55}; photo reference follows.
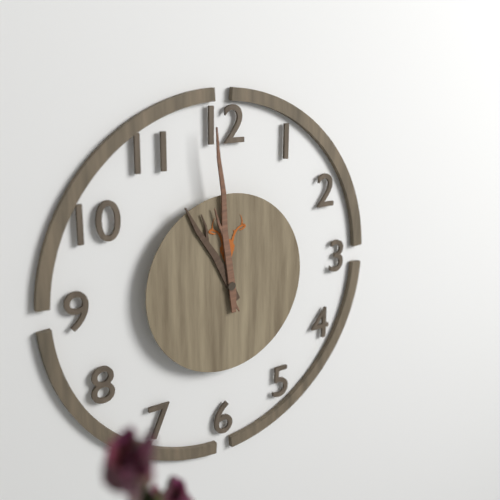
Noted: {"hour": 10, "minute": 59}
